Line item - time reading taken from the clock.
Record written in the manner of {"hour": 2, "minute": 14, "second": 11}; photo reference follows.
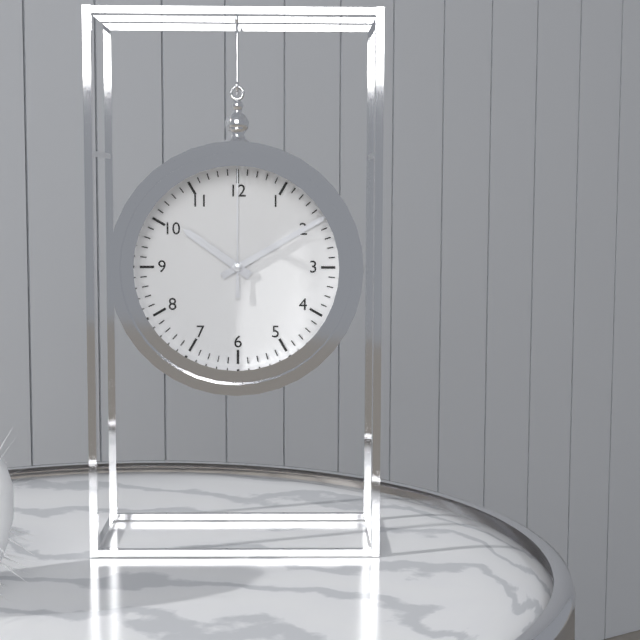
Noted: {"hour": 10, "minute": 10, "second": 0}
